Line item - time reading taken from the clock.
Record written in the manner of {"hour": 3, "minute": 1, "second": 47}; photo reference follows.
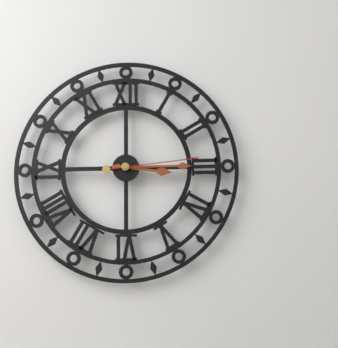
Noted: {"hour": 3, "minute": 15, "second": 14}
